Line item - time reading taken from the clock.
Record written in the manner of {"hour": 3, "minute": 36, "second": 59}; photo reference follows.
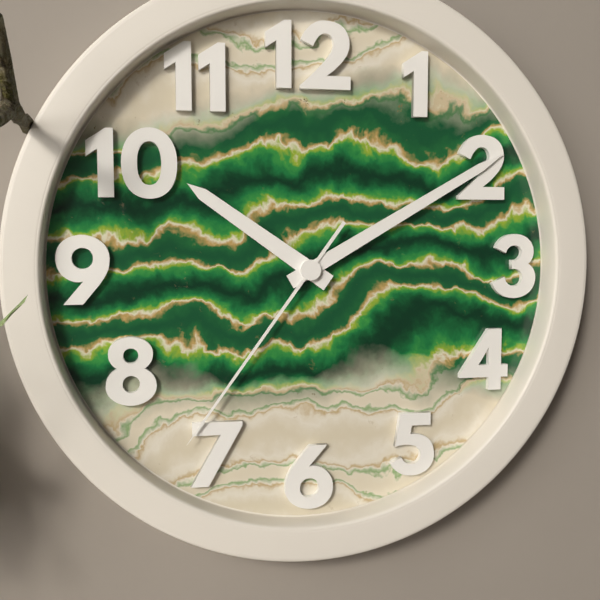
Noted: {"hour": 10, "minute": 10, "second": 36}
